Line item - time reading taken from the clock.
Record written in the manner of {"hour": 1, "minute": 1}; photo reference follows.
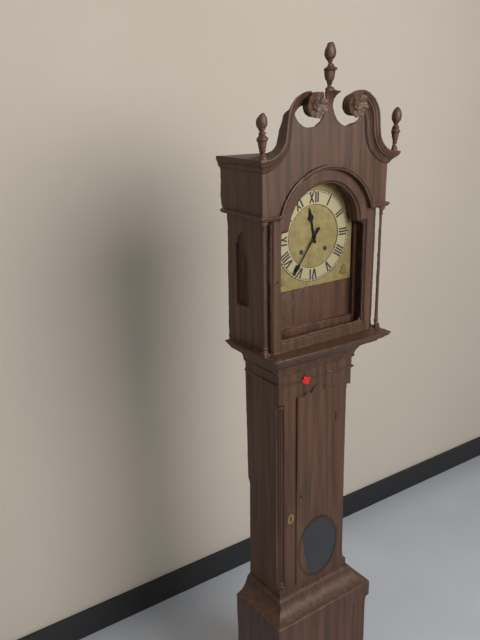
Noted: {"hour": 11, "minute": 36}
